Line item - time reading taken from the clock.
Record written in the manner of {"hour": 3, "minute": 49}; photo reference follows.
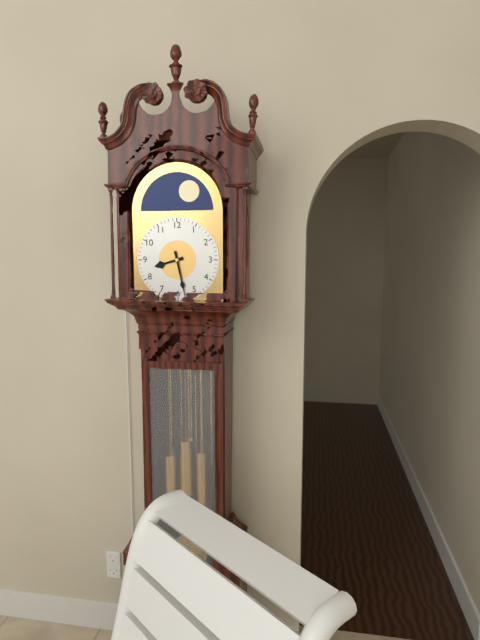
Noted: {"hour": 8, "minute": 28}
